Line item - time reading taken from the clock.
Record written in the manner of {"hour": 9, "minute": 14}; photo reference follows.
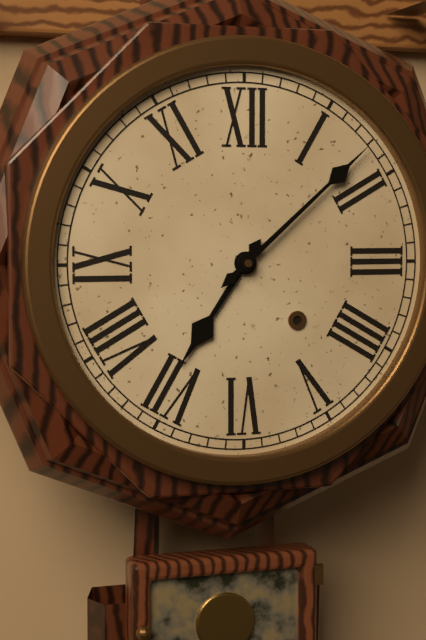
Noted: {"hour": 7, "minute": 8}
